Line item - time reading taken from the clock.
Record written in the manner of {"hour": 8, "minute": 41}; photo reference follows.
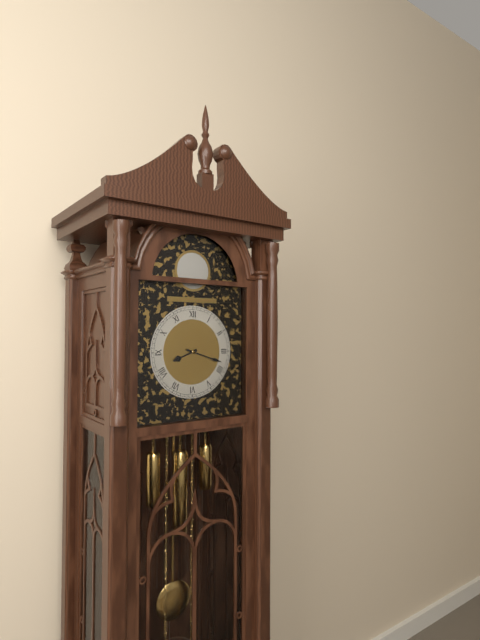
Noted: {"hour": 8, "minute": 18}
